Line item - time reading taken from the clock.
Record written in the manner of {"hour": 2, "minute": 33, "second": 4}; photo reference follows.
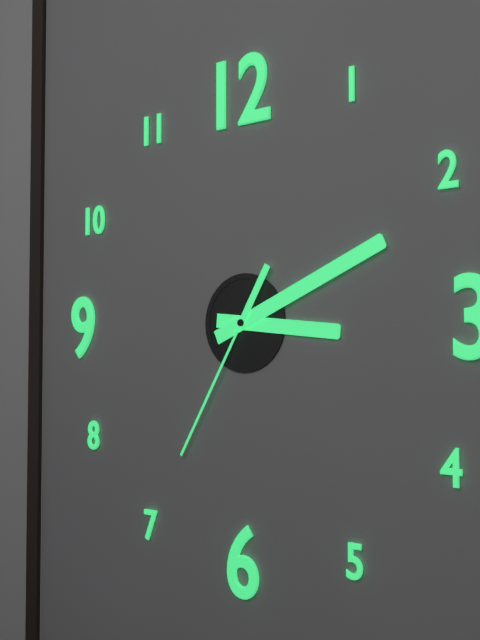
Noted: {"hour": 3, "minute": 11, "second": 35}
